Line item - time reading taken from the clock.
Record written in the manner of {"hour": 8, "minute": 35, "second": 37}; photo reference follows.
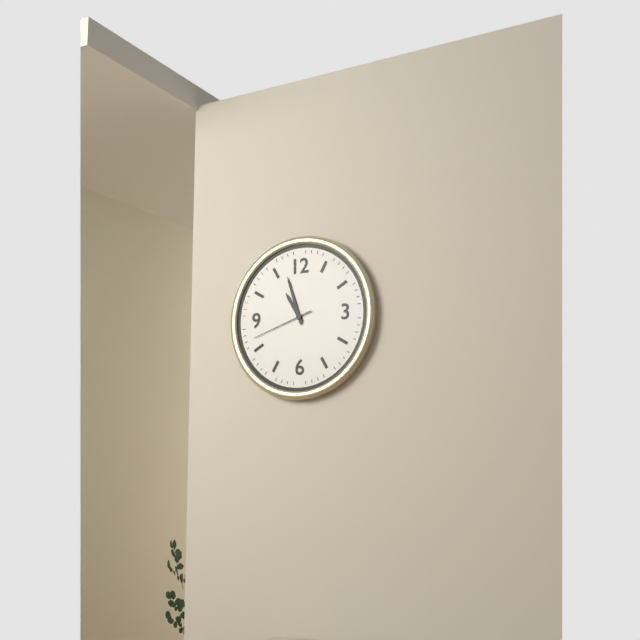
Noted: {"hour": 10, "minute": 57, "second": 42}
